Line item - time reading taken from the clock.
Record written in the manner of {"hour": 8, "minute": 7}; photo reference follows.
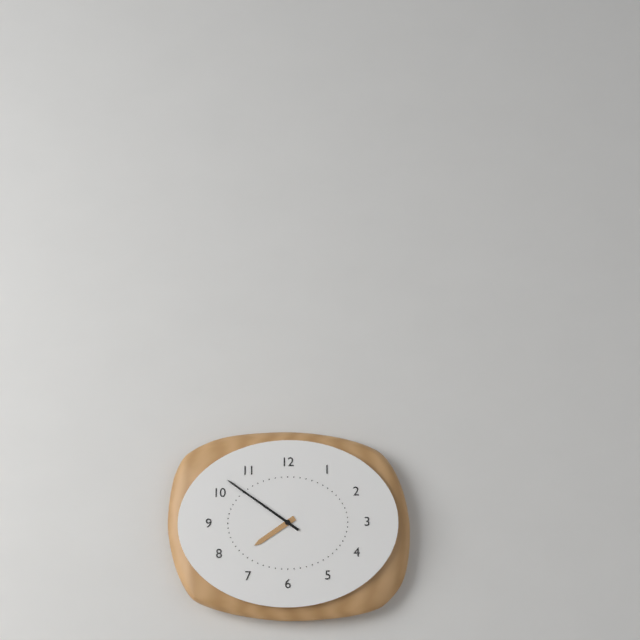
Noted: {"hour": 7, "minute": 51}
